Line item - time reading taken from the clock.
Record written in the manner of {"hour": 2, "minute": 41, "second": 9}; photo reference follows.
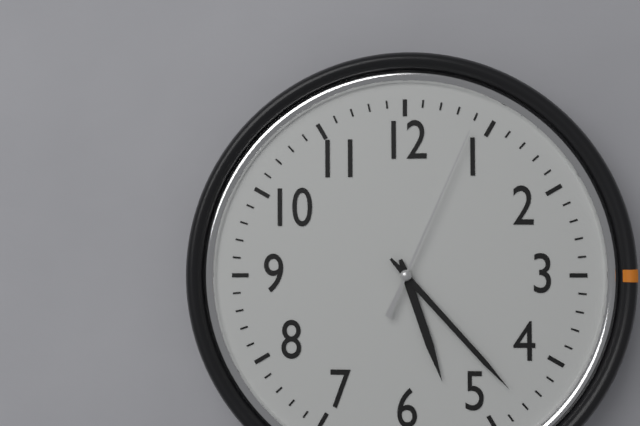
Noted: {"hour": 5, "minute": 23, "second": 4}
